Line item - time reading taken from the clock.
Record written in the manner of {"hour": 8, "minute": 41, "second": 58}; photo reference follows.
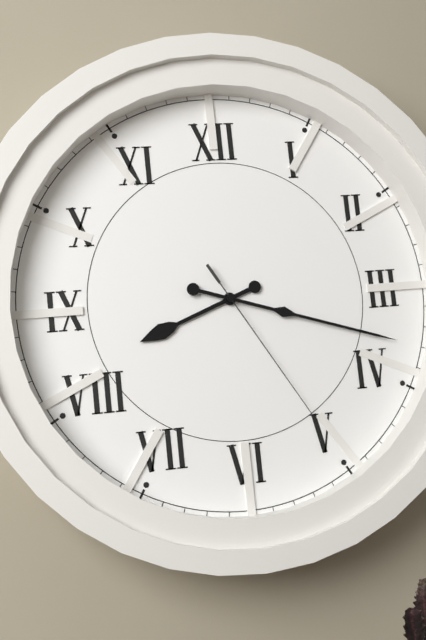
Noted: {"hour": 8, "minute": 18, "second": 25}
